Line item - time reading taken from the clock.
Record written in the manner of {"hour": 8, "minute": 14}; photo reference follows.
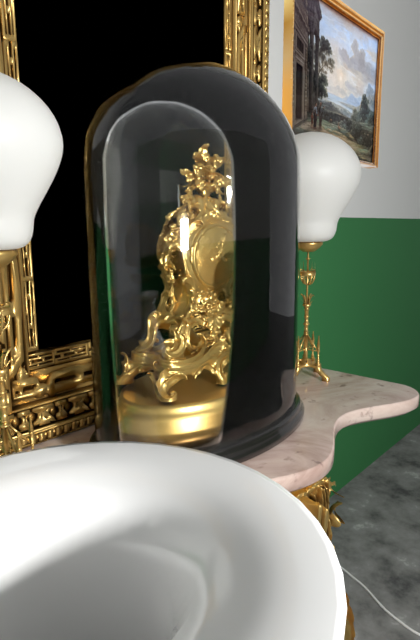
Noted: {"hour": 2, "minute": 7}
